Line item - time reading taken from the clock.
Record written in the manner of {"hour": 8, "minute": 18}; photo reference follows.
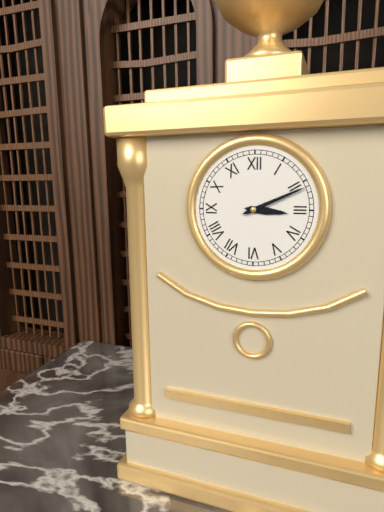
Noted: {"hour": 3, "minute": 11}
